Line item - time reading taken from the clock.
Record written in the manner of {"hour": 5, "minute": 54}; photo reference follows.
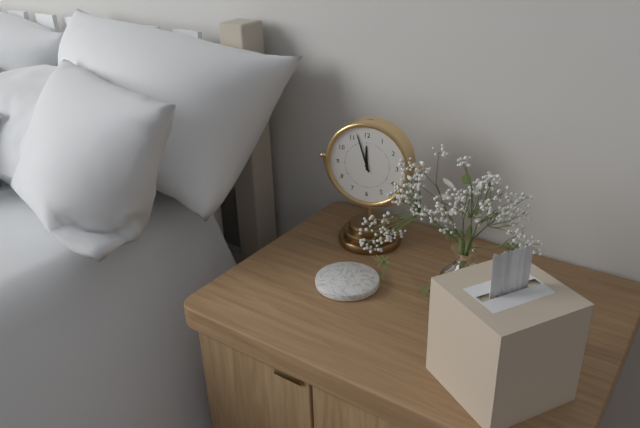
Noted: {"hour": 11, "minute": 57}
